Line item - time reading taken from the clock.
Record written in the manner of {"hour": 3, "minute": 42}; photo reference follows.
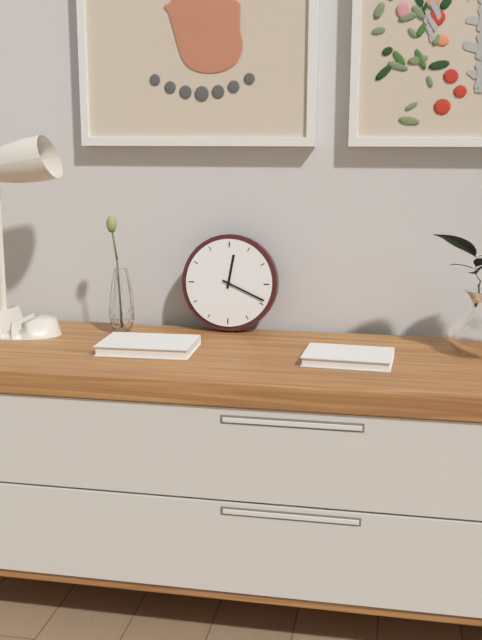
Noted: {"hour": 12, "minute": 19}
